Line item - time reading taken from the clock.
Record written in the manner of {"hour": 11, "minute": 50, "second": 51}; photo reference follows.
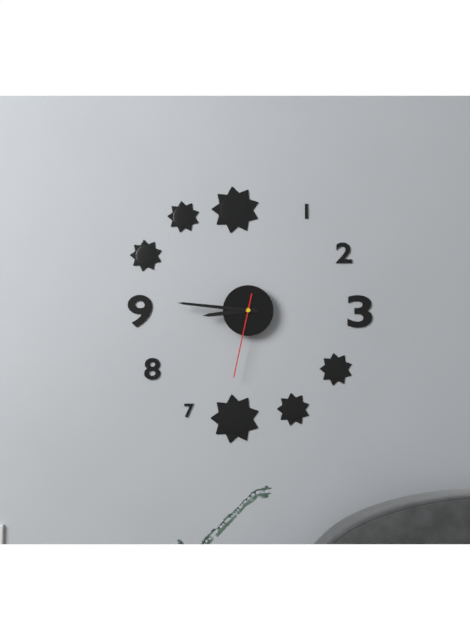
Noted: {"hour": 8, "minute": 46, "second": 32}
